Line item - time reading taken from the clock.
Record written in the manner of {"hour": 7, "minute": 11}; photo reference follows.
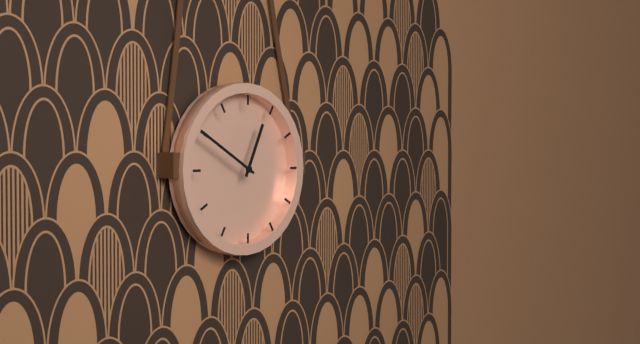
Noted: {"hour": 12, "minute": 50}
